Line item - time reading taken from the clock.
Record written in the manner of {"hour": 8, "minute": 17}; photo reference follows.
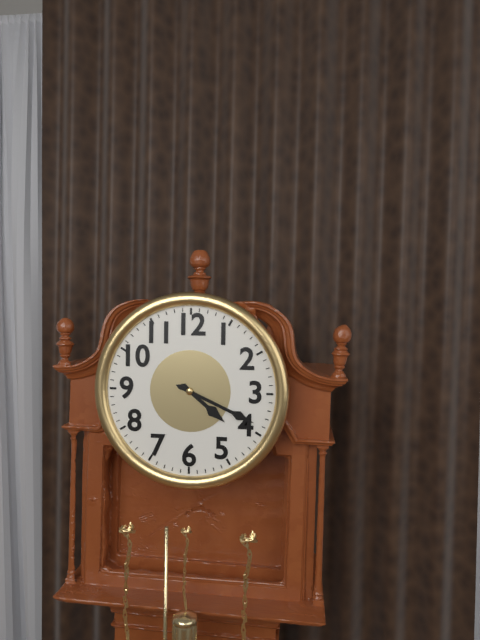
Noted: {"hour": 4, "minute": 19}
